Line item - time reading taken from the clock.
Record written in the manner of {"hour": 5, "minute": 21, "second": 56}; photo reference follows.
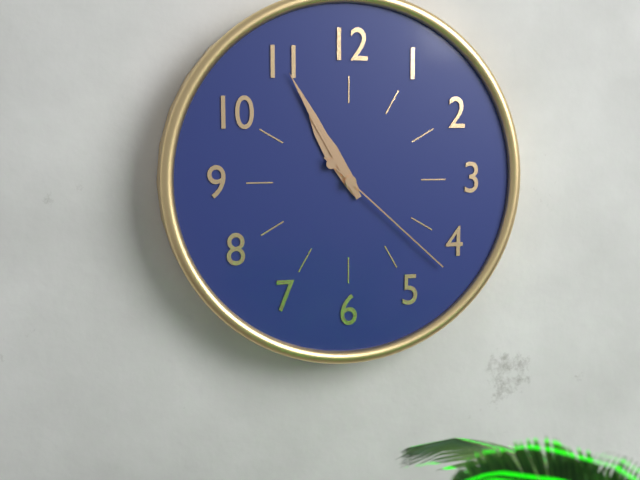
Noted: {"hour": 10, "minute": 55, "second": 22}
